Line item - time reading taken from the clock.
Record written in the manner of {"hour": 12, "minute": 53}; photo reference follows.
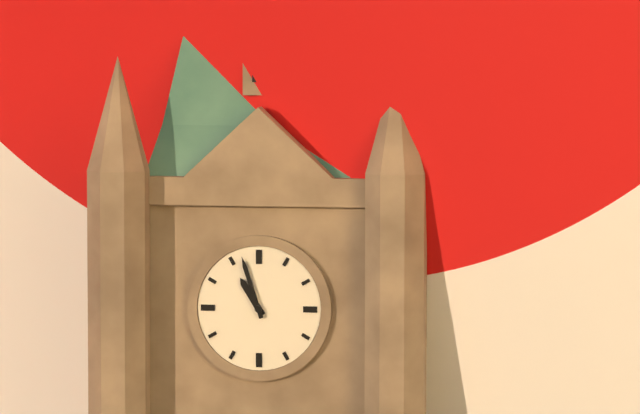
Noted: {"hour": 10, "minute": 57}
